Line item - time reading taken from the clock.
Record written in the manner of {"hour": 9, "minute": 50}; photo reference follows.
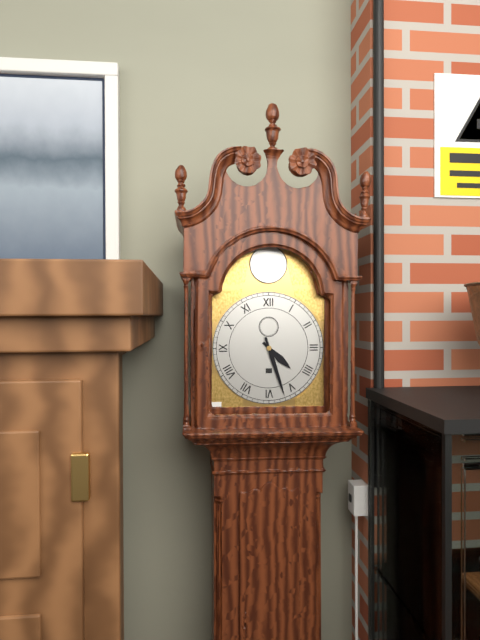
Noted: {"hour": 4, "minute": 27}
